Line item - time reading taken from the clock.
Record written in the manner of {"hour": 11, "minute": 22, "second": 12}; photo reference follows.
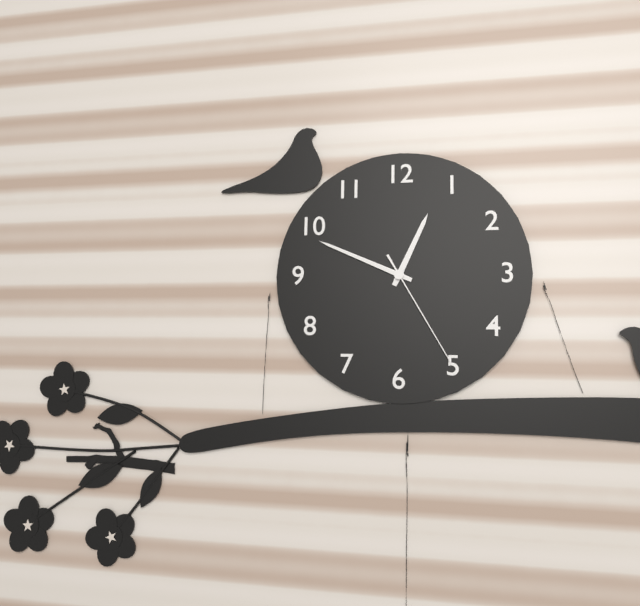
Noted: {"hour": 12, "minute": 49, "second": 25}
